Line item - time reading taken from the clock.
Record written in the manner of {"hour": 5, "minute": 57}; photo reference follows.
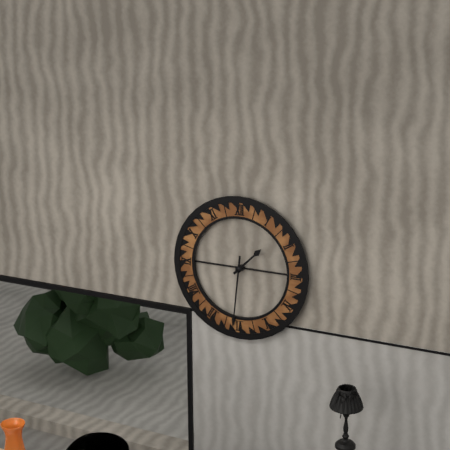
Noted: {"hour": 1, "minute": 31}
